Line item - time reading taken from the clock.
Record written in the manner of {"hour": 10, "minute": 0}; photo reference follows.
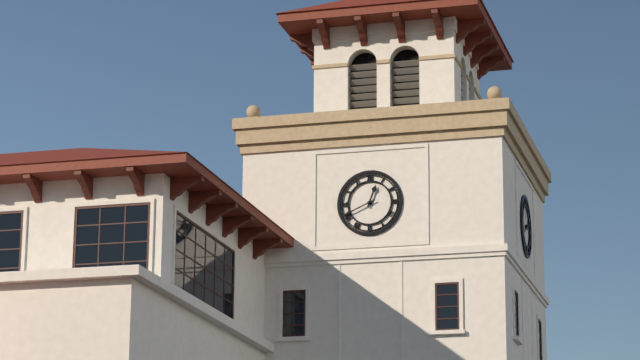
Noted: {"hour": 12, "minute": 41}
